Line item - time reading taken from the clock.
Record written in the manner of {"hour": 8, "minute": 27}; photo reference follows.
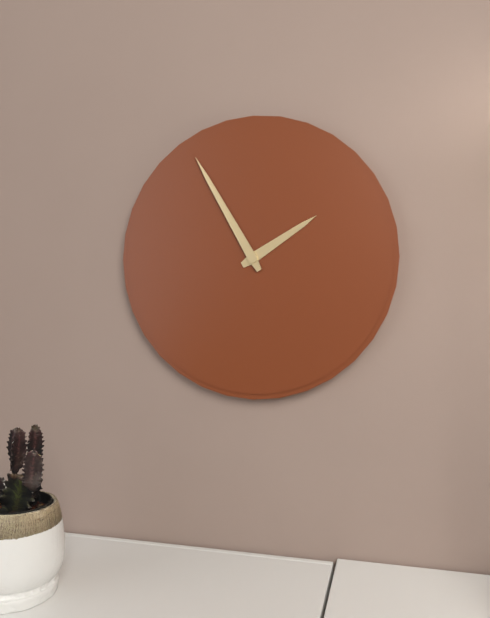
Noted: {"hour": 1, "minute": 55}
